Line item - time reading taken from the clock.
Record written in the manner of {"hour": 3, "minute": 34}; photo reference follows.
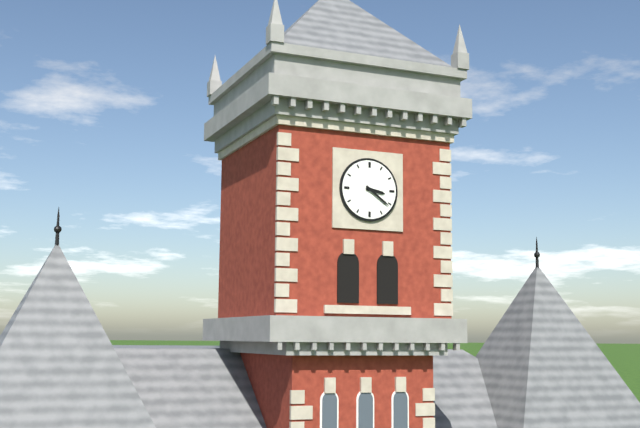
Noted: {"hour": 3, "minute": 21}
